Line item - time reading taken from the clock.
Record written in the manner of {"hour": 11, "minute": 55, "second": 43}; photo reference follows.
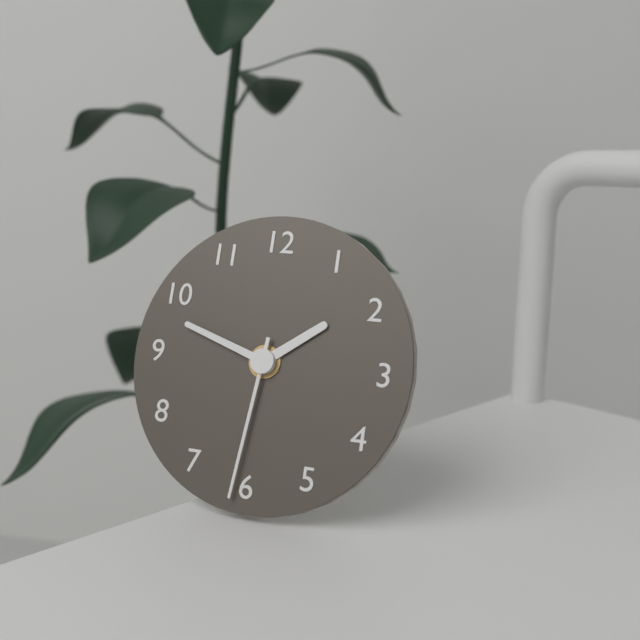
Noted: {"hour": 1, "minute": 48, "second": 31}
